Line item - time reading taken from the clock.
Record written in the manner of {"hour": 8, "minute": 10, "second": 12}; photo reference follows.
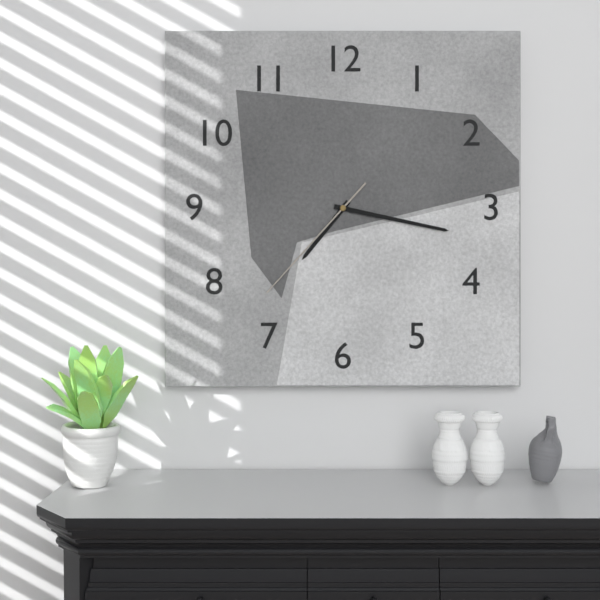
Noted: {"hour": 7, "minute": 17, "second": 37}
